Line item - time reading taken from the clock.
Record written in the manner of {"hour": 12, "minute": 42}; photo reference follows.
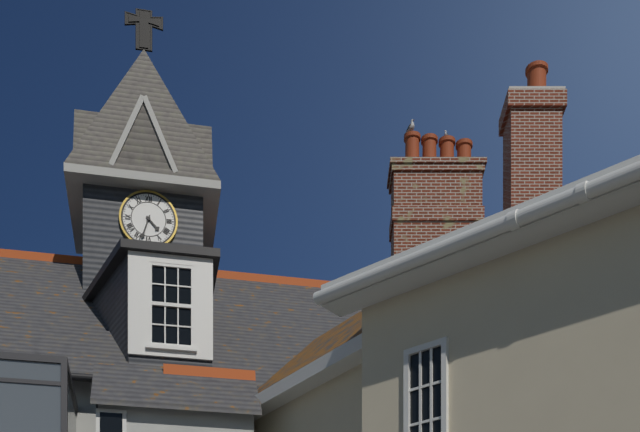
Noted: {"hour": 4, "minute": 33}
